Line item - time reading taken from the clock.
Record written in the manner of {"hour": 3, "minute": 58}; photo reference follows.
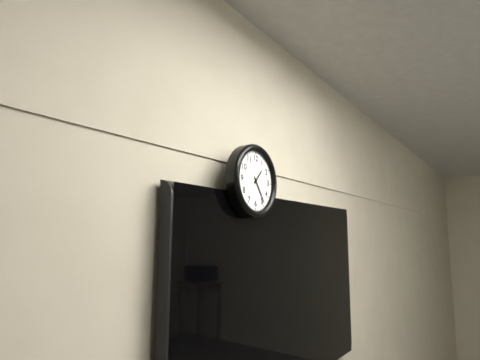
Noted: {"hour": 1, "minute": 24}
